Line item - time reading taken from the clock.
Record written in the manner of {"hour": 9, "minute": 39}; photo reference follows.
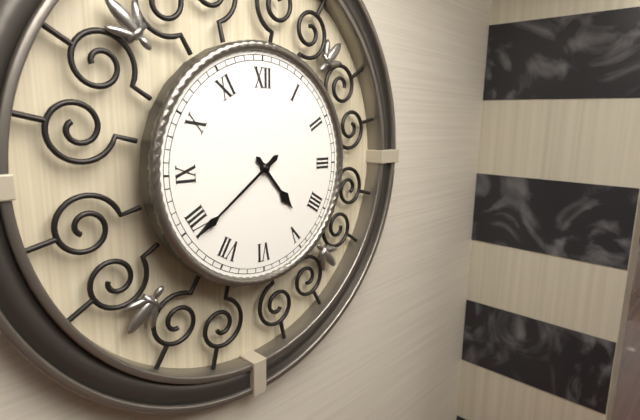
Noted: {"hour": 4, "minute": 39}
